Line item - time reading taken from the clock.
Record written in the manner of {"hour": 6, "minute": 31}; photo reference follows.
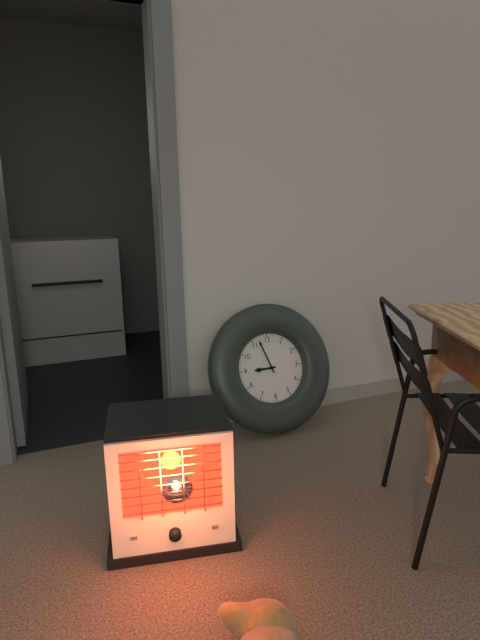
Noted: {"hour": 8, "minute": 57}
